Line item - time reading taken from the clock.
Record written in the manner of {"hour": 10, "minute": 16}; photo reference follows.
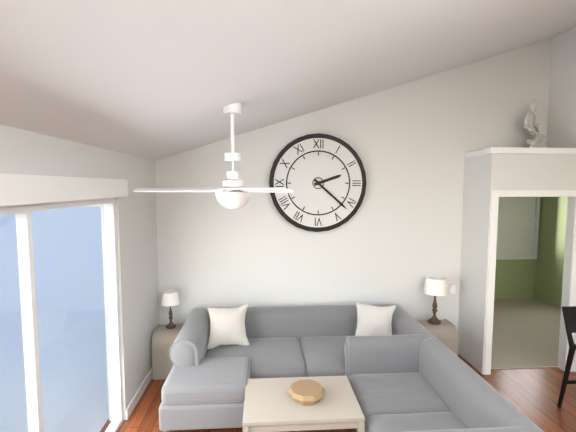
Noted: {"hour": 2, "minute": 22}
